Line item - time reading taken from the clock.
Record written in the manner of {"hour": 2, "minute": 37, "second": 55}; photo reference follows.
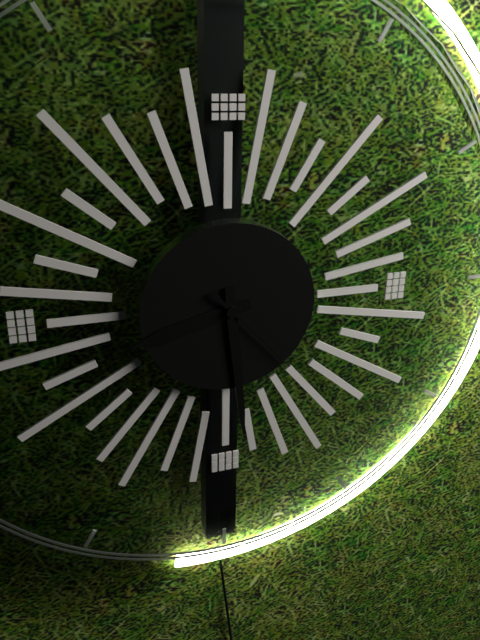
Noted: {"hour": 8, "minute": 29, "second": 23}
